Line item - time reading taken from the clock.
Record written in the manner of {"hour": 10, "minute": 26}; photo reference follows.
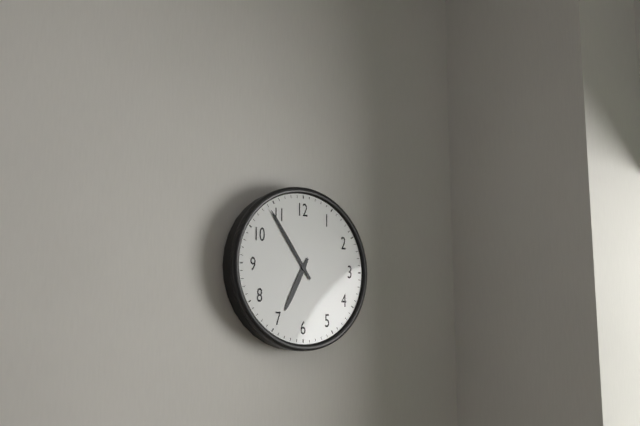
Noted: {"hour": 6, "minute": 54}
